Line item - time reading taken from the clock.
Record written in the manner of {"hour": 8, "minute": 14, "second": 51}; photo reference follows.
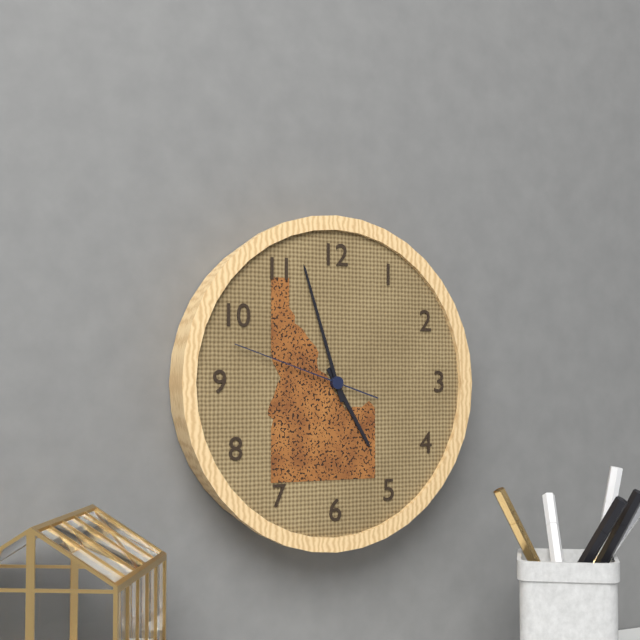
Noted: {"hour": 4, "minute": 57, "second": 48}
